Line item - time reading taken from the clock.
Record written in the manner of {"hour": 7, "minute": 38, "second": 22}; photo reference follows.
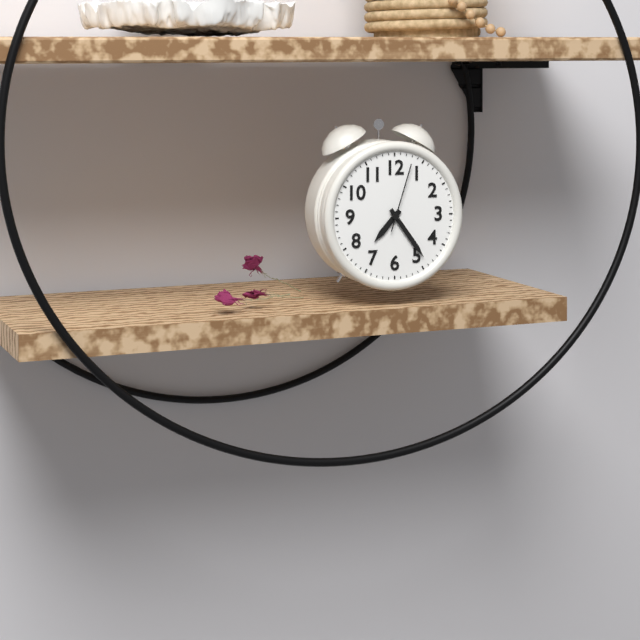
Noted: {"hour": 7, "minute": 24, "second": 3}
